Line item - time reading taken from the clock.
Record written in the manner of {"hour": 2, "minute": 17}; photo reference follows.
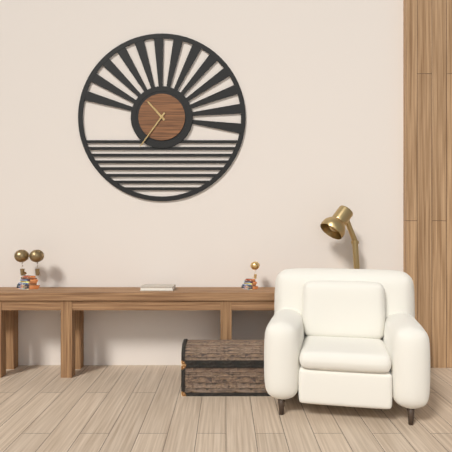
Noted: {"hour": 10, "minute": 36}
